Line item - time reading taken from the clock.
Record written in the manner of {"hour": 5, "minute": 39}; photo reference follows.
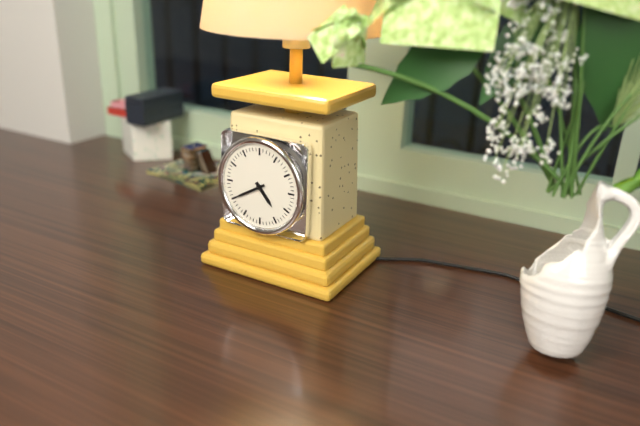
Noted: {"hour": 4, "minute": 40}
